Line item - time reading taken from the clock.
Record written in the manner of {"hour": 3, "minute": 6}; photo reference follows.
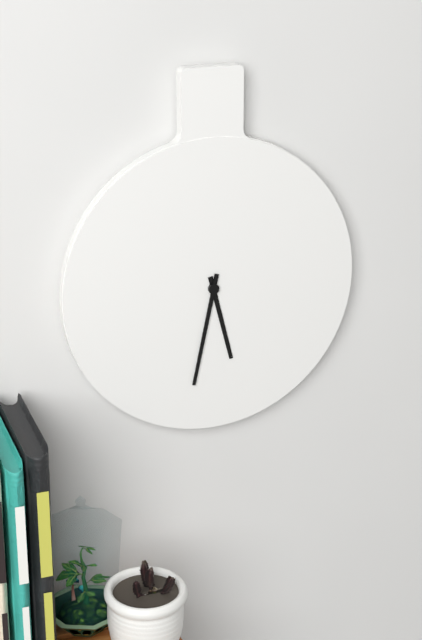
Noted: {"hour": 5, "minute": 32}
